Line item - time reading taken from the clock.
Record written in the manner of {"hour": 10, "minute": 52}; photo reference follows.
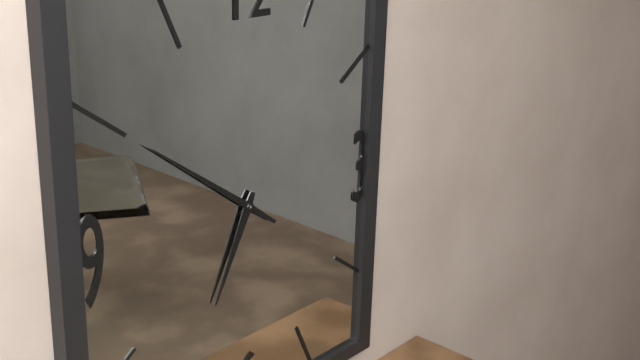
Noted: {"hour": 6, "minute": 51}
